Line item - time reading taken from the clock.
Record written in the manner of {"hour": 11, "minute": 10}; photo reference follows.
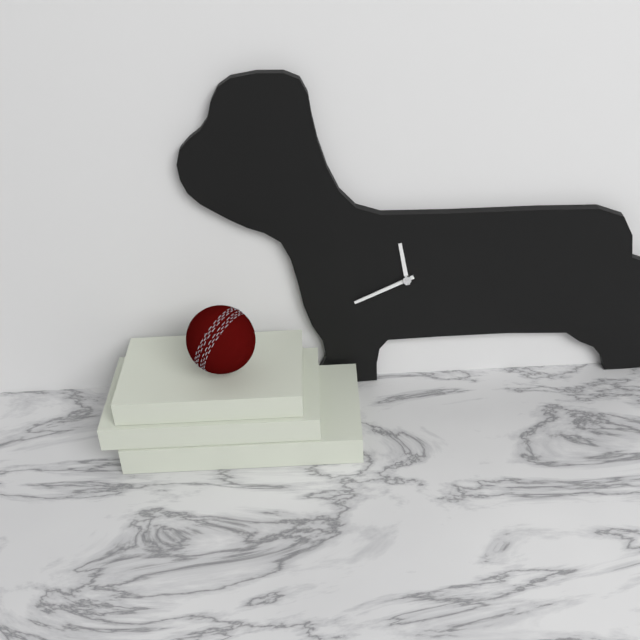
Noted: {"hour": 11, "minute": 41}
